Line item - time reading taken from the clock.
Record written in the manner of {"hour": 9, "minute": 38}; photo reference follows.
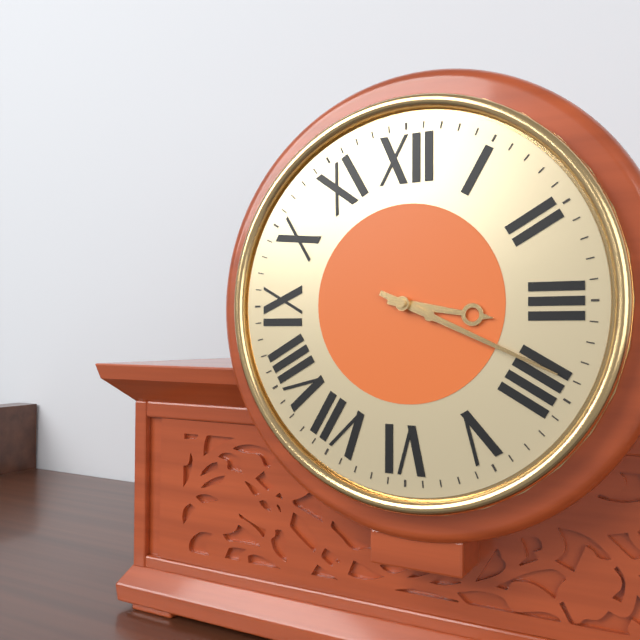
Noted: {"hour": 3, "minute": 19}
